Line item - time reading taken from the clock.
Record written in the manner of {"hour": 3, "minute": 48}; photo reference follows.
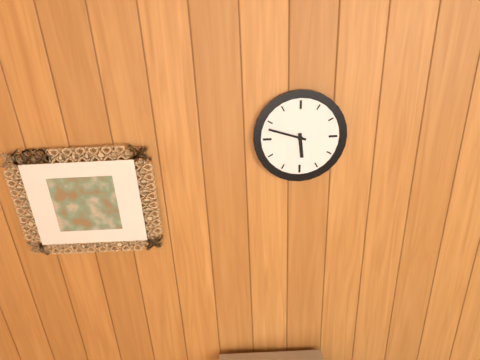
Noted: {"hour": 5, "minute": 48}
